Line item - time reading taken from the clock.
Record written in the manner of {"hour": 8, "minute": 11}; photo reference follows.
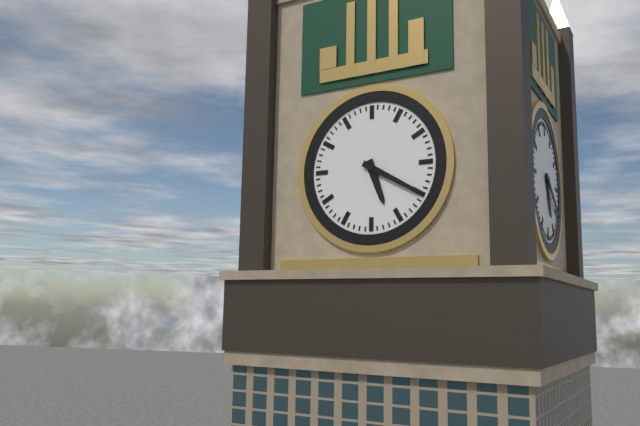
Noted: {"hour": 5, "minute": 20}
